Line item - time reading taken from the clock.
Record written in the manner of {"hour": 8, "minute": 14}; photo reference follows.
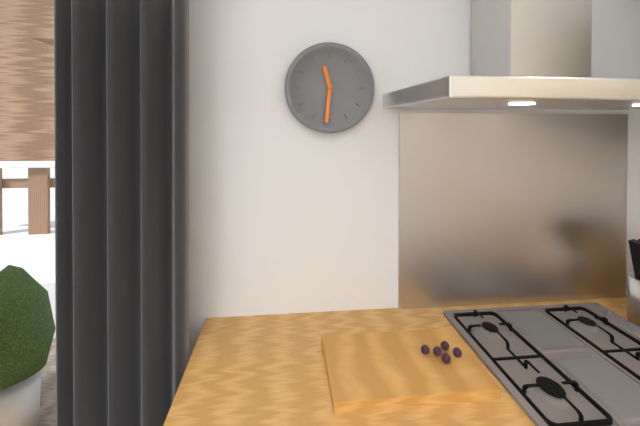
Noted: {"hour": 11, "minute": 31}
